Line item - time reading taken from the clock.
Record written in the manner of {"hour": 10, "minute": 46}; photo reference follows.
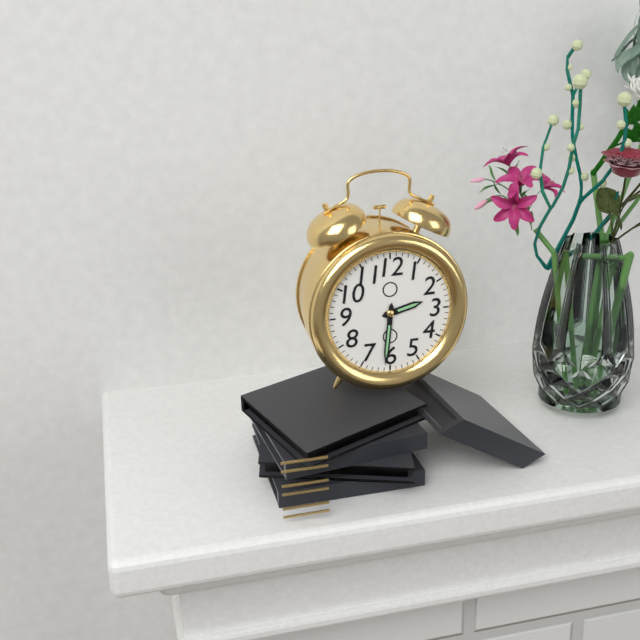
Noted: {"hour": 2, "minute": 31}
